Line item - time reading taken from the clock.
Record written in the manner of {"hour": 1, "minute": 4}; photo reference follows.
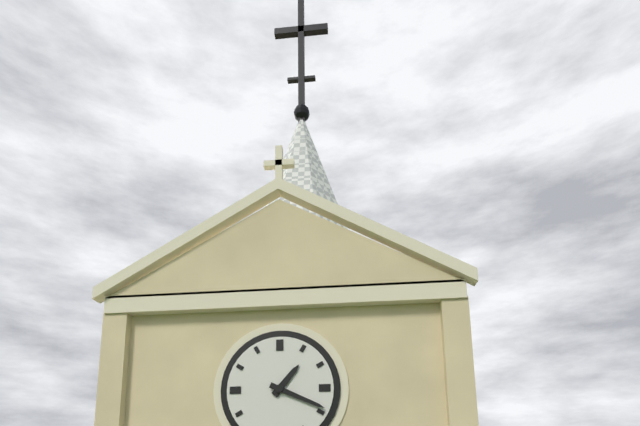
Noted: {"hour": 1, "minute": 19}
